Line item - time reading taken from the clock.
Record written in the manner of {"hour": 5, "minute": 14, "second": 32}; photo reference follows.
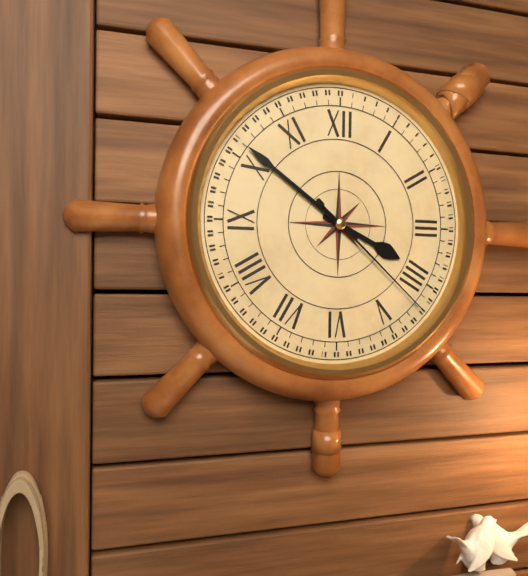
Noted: {"hour": 3, "minute": 51, "second": 22}
